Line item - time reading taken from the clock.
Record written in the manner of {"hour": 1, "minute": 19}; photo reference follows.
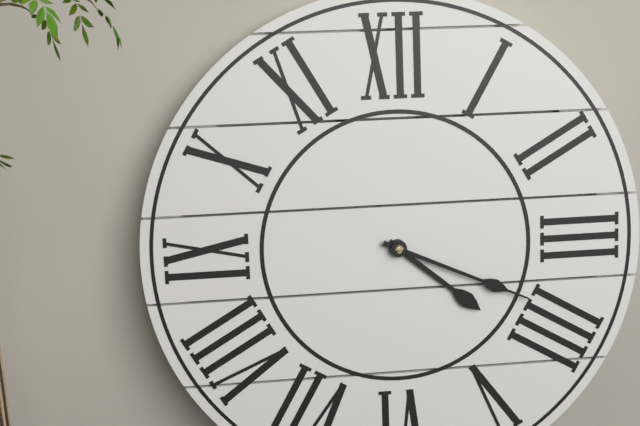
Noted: {"hour": 4, "minute": 19}
